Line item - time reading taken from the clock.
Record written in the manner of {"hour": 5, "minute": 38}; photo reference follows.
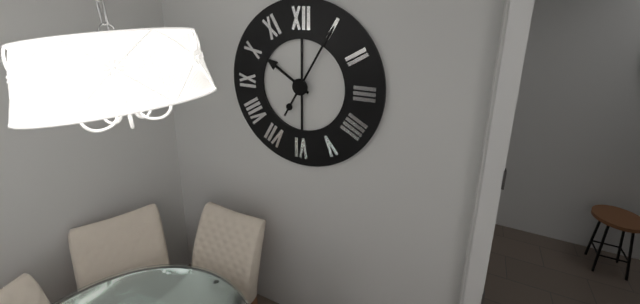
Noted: {"hour": 10, "minute": 5}
